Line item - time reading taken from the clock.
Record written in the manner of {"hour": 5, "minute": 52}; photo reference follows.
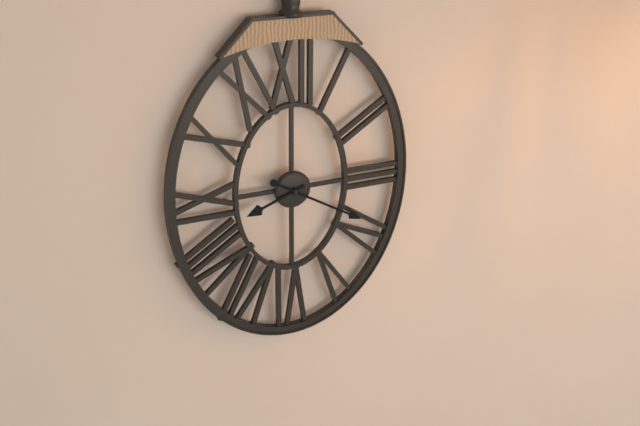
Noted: {"hour": 8, "minute": 20}
